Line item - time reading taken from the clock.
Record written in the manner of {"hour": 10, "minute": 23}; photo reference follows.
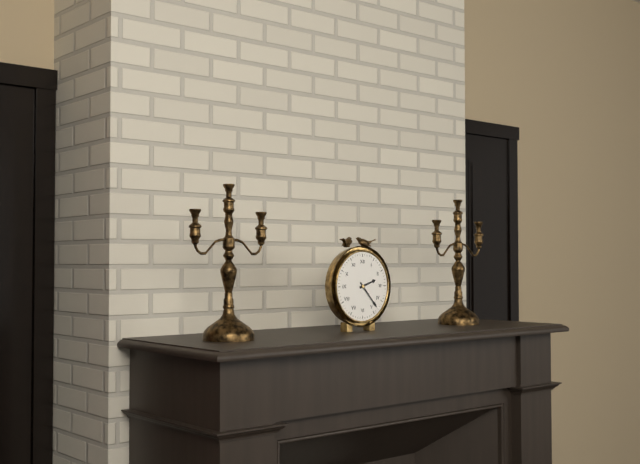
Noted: {"hour": 2, "minute": 23}
